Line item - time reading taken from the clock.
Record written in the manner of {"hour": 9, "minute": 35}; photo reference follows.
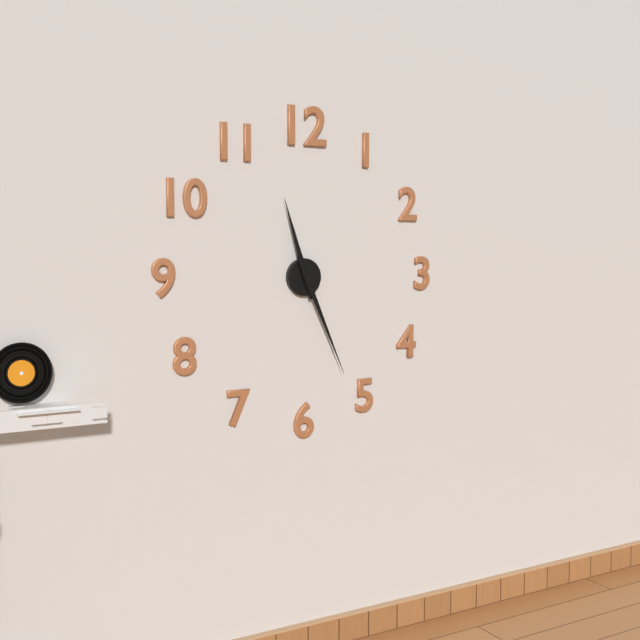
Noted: {"hour": 11, "minute": 26}
